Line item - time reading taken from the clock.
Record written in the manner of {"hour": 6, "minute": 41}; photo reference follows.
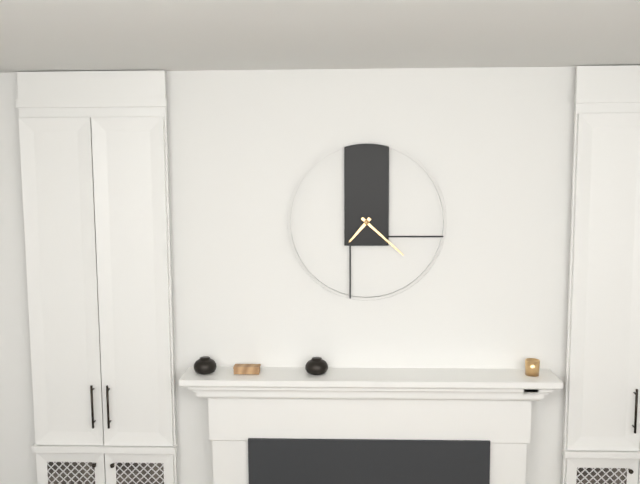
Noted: {"hour": 7, "minute": 22}
